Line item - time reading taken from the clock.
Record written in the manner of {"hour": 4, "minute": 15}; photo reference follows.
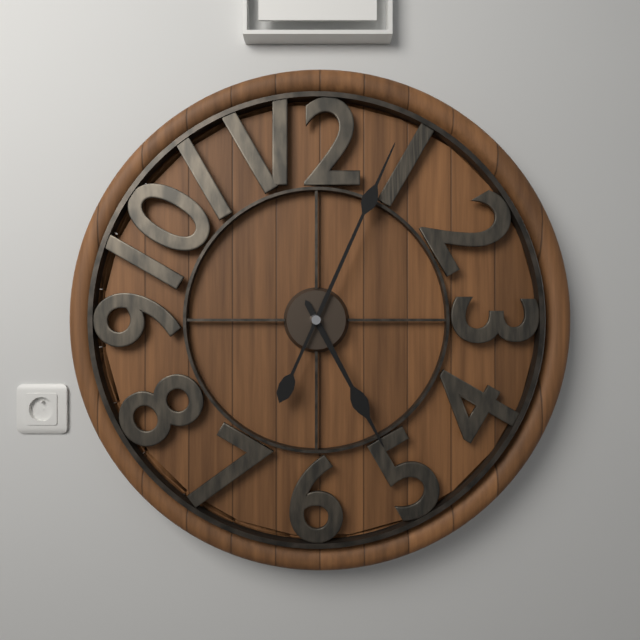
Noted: {"hour": 5, "minute": 4}
